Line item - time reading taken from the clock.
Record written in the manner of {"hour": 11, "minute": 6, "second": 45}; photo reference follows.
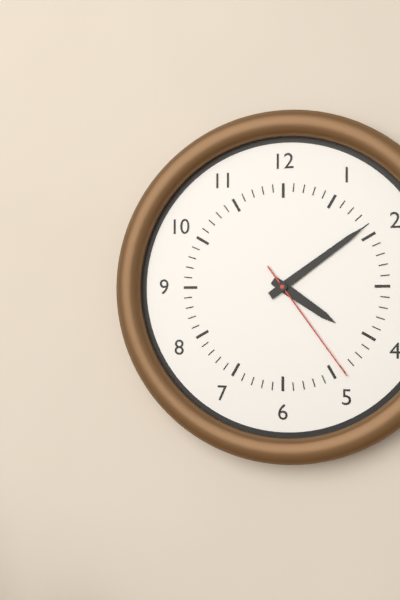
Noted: {"hour": 4, "minute": 9, "second": 24}
